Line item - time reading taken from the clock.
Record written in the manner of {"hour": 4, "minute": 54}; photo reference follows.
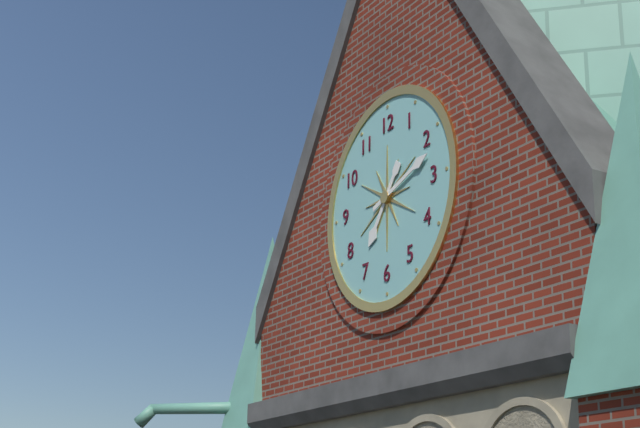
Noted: {"hour": 7, "minute": 12}
